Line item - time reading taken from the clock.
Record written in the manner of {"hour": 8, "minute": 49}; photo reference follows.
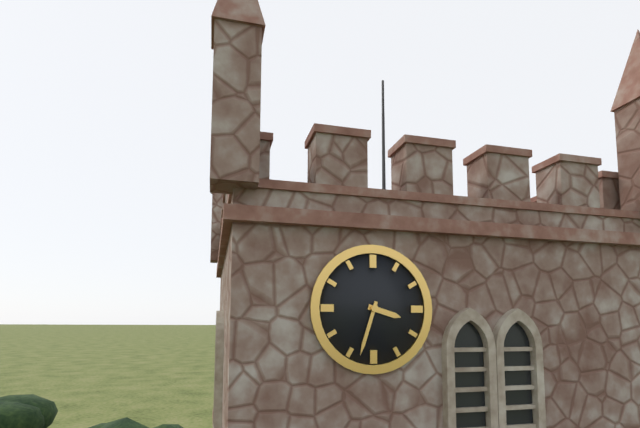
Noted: {"hour": 3, "minute": 33}
